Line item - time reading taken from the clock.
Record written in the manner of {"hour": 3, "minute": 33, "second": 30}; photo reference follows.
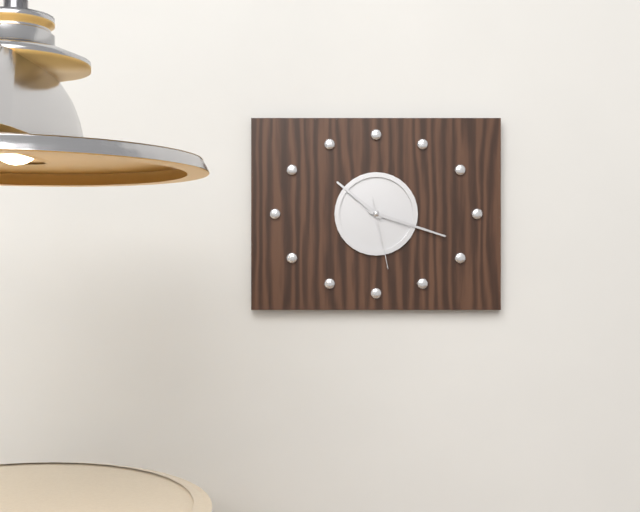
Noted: {"hour": 10, "minute": 18, "second": 28}
